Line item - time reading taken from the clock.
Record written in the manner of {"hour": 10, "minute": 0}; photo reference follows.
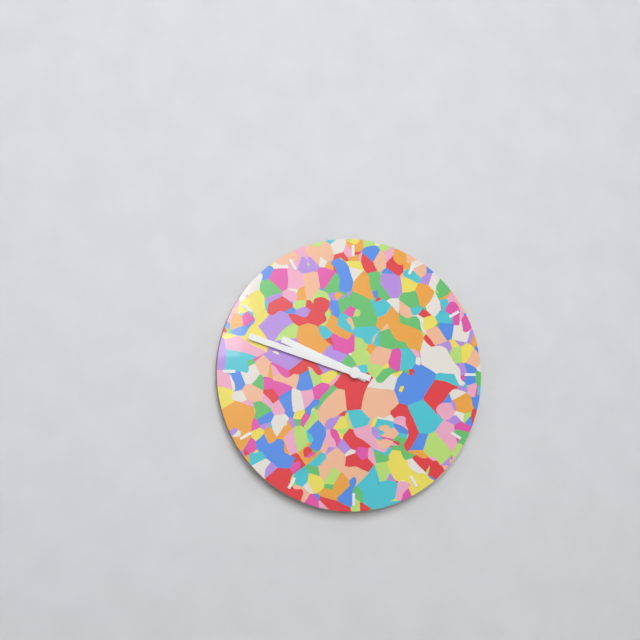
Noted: {"hour": 9, "minute": 48}
